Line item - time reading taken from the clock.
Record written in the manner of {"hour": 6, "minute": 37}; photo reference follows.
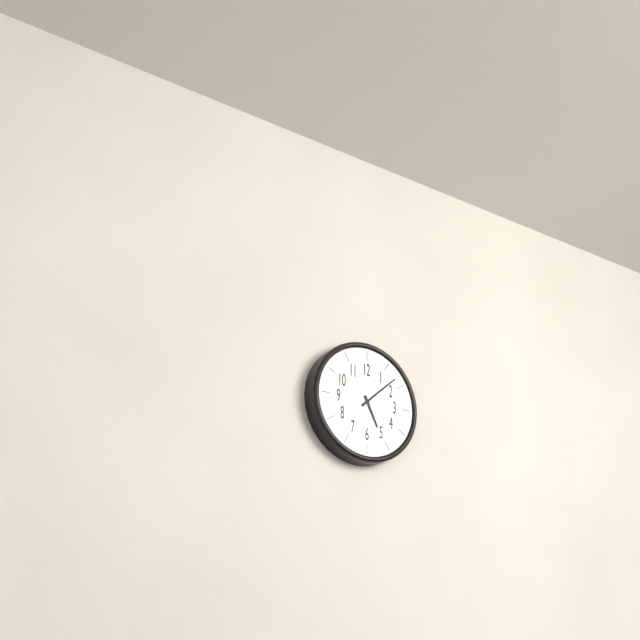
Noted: {"hour": 5, "minute": 8}
